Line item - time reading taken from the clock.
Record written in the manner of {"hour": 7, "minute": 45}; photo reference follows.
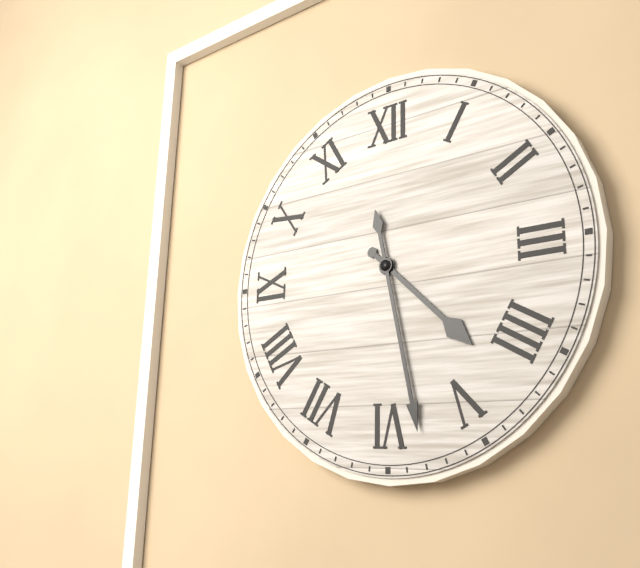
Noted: {"hour": 4, "minute": 28}
